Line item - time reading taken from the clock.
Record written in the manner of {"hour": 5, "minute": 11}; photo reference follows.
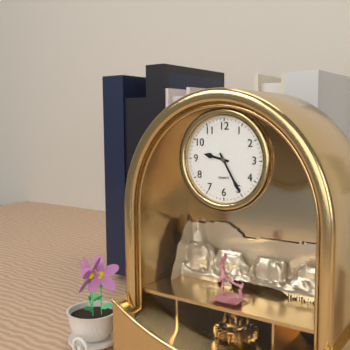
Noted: {"hour": 9, "minute": 25}
